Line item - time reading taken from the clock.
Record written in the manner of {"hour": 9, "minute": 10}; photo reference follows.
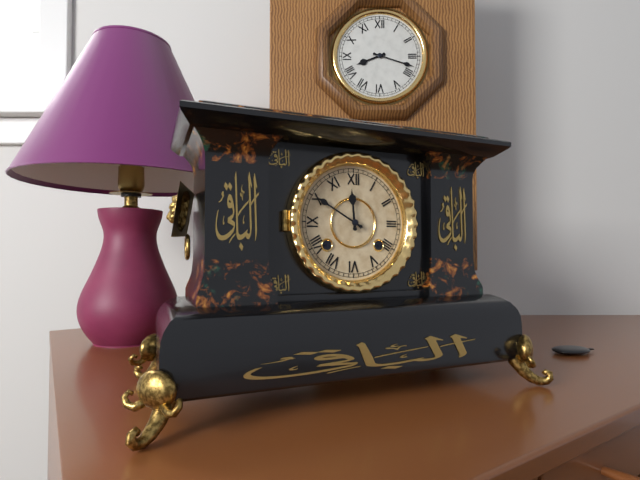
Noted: {"hour": 11, "minute": 50}
